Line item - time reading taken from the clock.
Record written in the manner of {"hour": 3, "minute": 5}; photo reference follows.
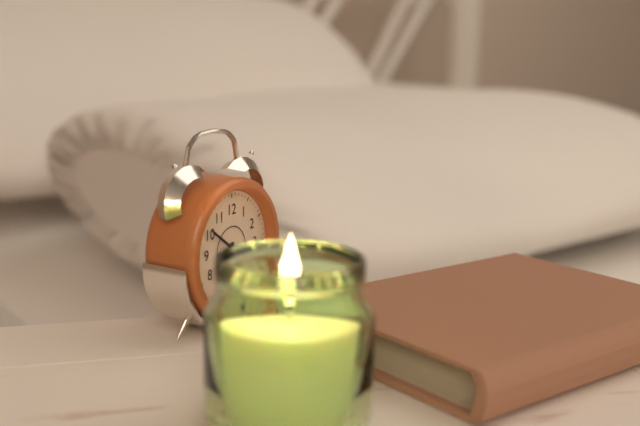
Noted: {"hour": 5, "minute": 51}
